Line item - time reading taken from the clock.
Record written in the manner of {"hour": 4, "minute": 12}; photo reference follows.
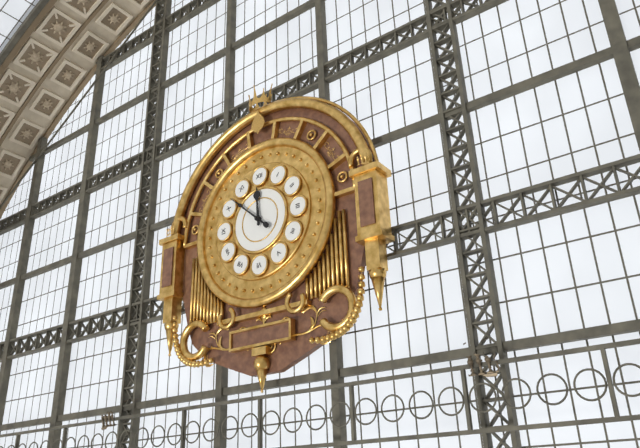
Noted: {"hour": 11, "minute": 52}
